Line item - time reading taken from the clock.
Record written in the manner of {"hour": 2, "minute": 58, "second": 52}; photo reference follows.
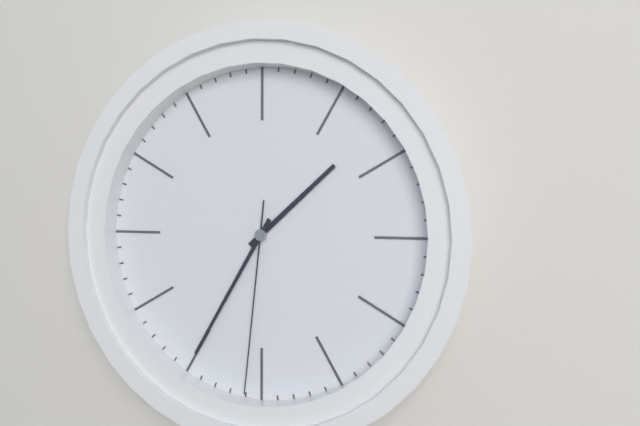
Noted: {"hour": 1, "minute": 35, "second": 31}
